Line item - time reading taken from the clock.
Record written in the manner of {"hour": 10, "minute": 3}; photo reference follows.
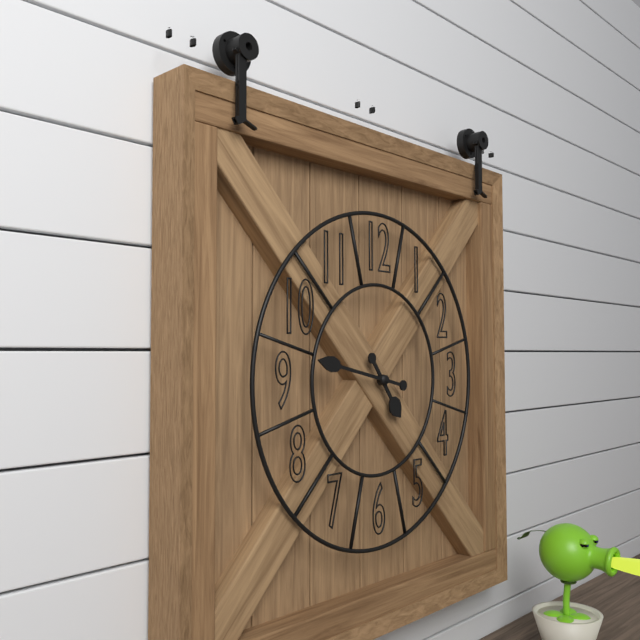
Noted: {"hour": 4, "minute": 47}
